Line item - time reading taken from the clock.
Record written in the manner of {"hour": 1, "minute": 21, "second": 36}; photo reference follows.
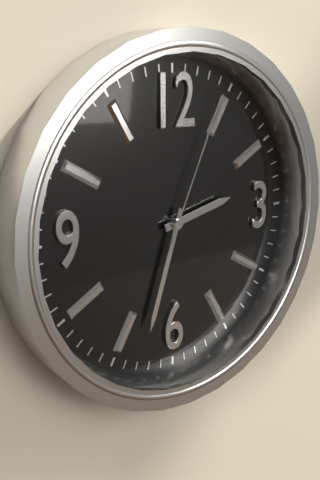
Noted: {"hour": 2, "minute": 33, "second": 4}
